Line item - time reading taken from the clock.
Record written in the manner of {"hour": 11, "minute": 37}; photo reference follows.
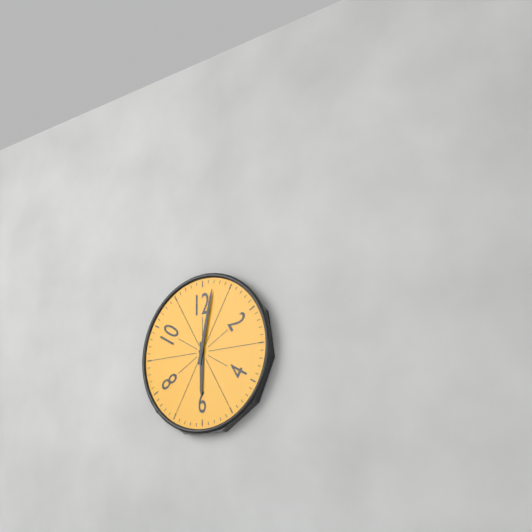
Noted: {"hour": 6, "minute": 2}
